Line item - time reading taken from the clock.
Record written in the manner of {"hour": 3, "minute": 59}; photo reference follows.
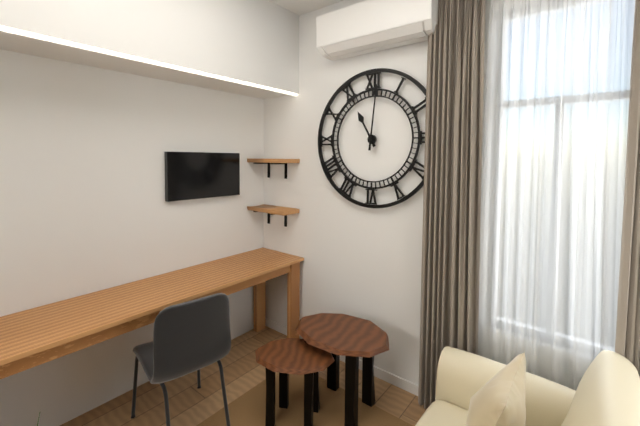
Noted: {"hour": 11, "minute": 1}
